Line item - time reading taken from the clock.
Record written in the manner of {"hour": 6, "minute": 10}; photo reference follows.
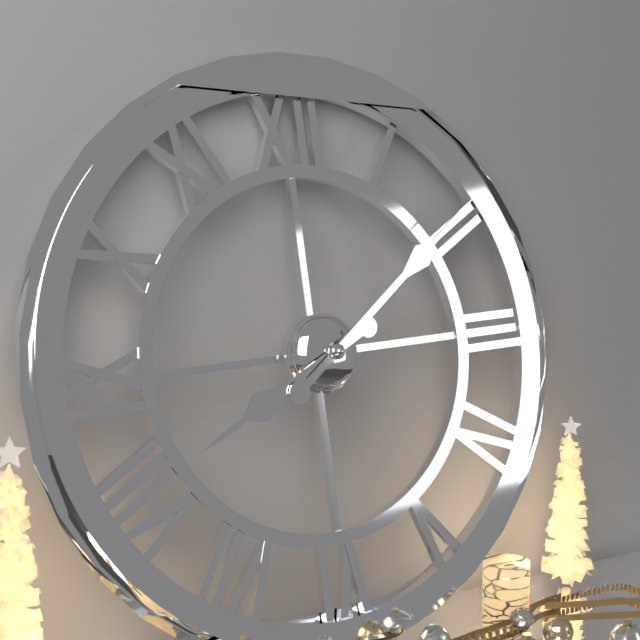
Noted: {"hour": 8, "minute": 9}
